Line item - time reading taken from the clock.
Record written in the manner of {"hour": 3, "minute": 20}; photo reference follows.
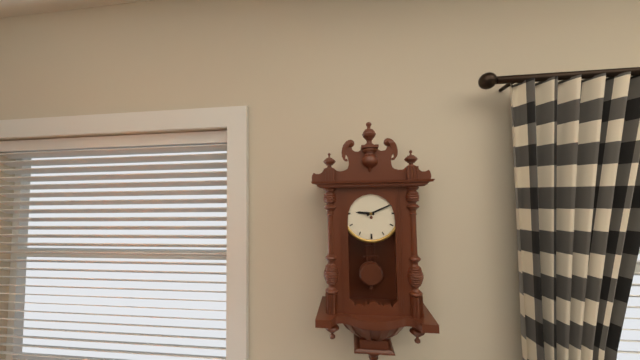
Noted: {"hour": 9, "minute": 11}
